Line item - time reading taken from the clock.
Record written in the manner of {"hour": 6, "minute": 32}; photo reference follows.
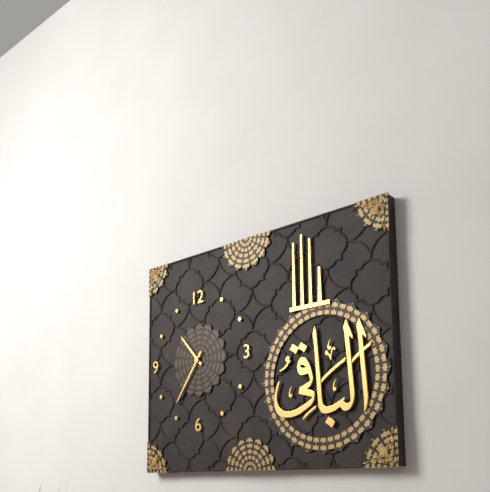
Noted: {"hour": 10, "minute": 36}
